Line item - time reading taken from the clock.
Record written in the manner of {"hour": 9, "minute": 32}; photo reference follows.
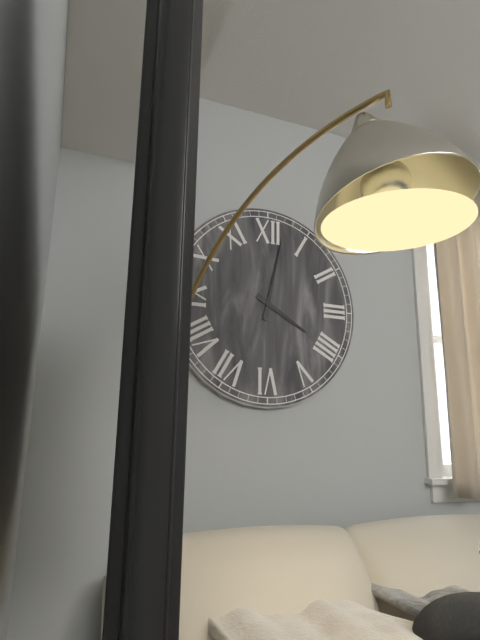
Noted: {"hour": 4, "minute": 2}
